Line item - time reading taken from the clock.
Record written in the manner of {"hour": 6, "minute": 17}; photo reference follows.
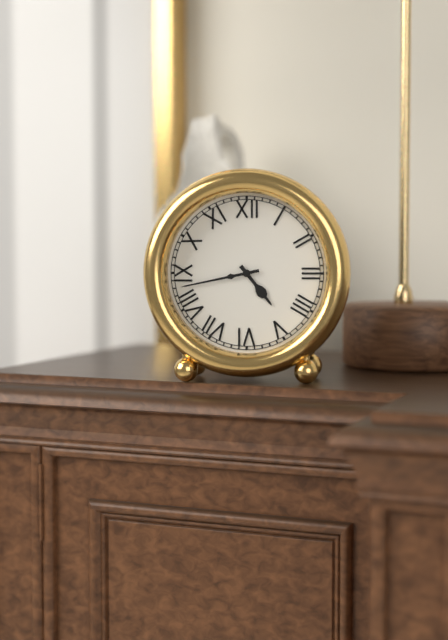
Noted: {"hour": 4, "minute": 43}
